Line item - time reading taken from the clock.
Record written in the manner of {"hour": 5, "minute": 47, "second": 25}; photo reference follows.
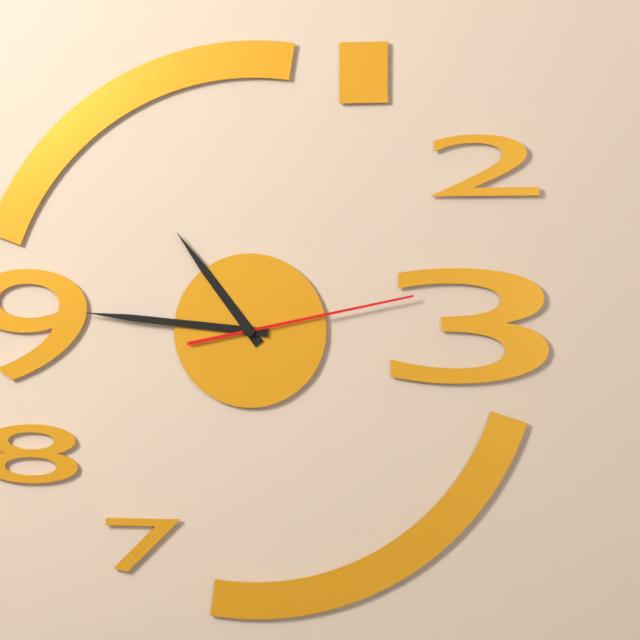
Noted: {"hour": 10, "minute": 46, "second": 13}
